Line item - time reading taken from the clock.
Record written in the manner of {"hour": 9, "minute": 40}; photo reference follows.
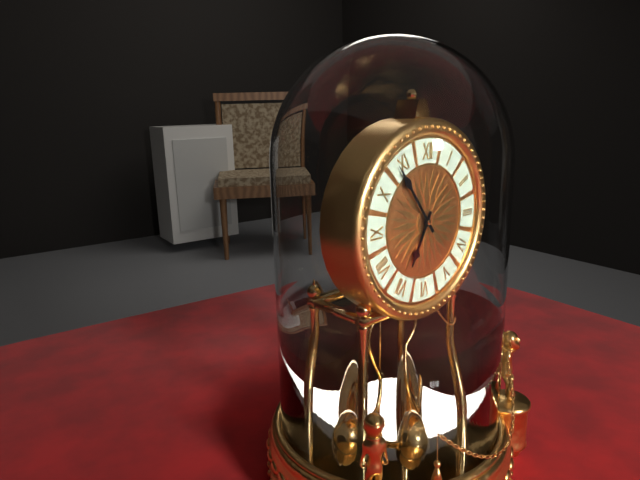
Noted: {"hour": 6, "minute": 54}
